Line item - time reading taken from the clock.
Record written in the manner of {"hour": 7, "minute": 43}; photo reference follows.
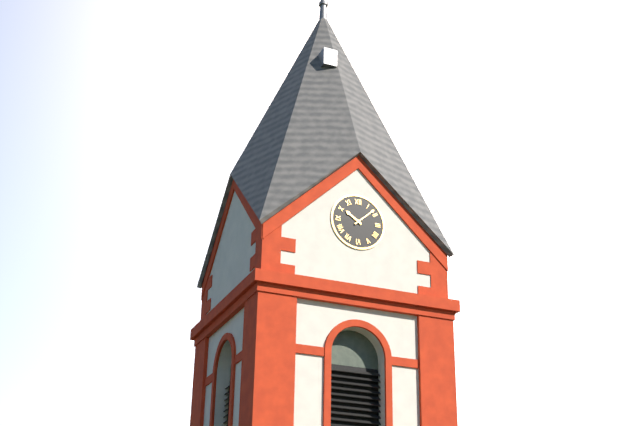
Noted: {"hour": 10, "minute": 8}
